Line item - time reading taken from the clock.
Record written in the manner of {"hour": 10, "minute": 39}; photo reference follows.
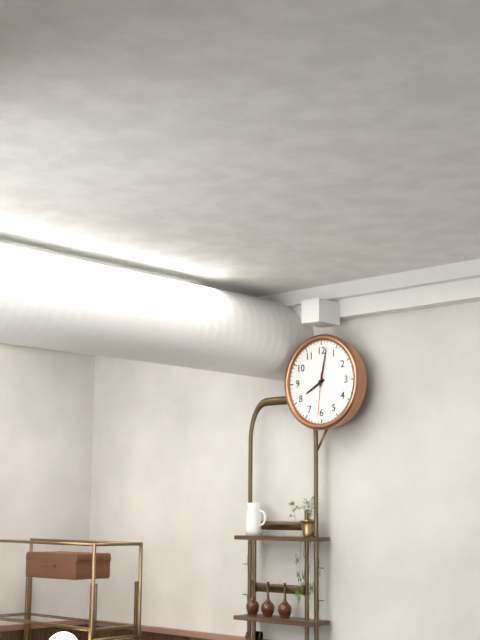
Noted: {"hour": 8, "minute": 2}
